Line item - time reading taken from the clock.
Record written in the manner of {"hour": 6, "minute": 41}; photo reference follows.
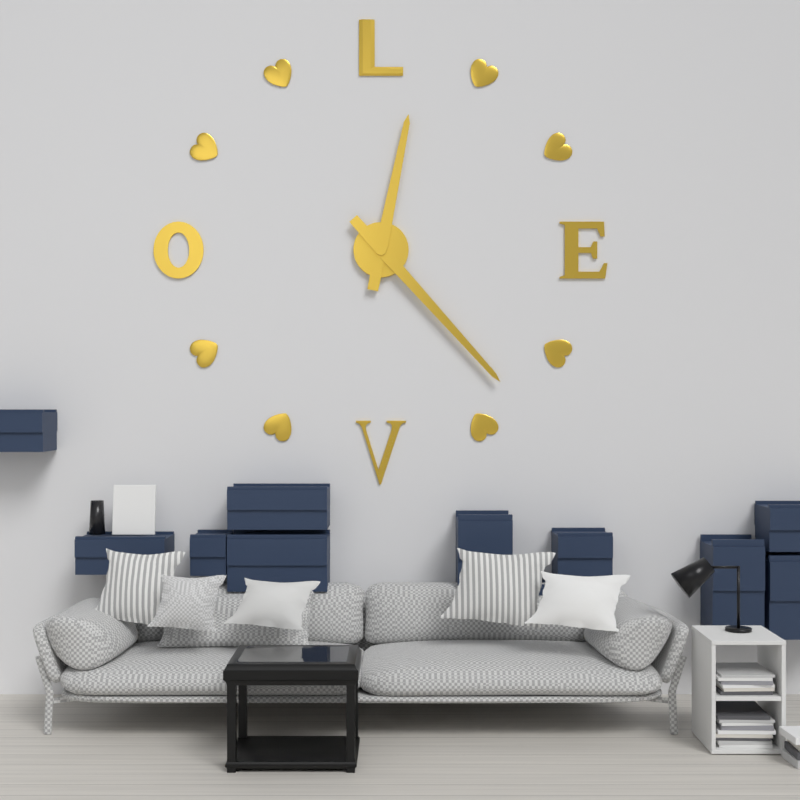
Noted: {"hour": 12, "minute": 23}
